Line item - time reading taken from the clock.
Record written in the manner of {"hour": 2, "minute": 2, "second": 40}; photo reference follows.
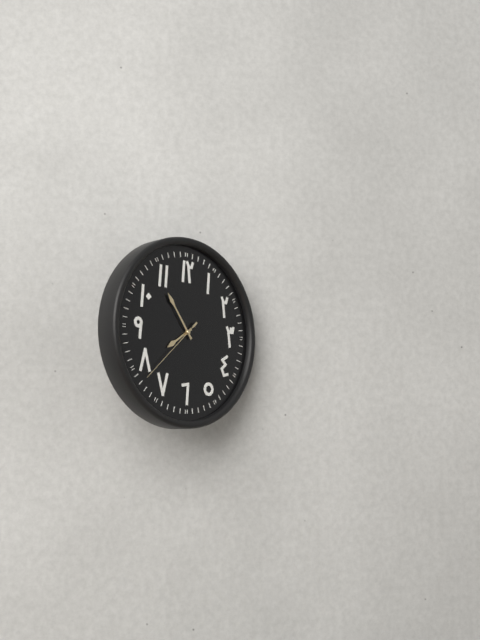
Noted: {"hour": 7, "minute": 54, "second": 38}
